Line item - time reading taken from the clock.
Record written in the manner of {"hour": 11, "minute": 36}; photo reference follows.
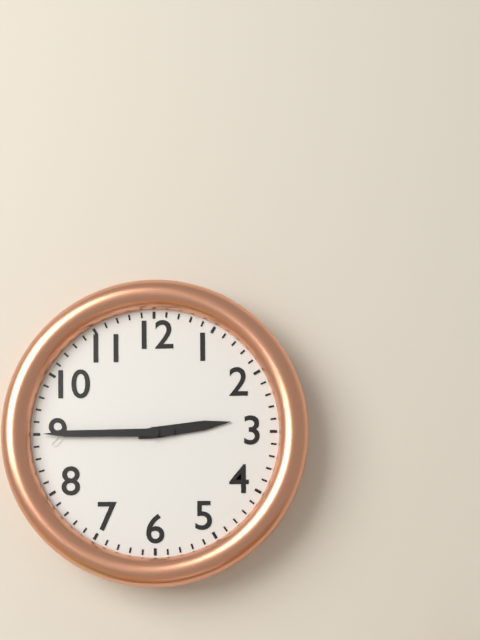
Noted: {"hour": 2, "minute": 45}
